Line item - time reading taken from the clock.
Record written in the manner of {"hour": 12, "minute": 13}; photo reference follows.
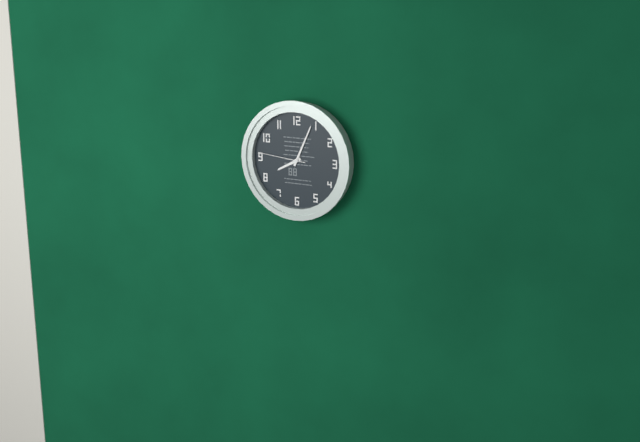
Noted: {"hour": 8, "minute": 4}
